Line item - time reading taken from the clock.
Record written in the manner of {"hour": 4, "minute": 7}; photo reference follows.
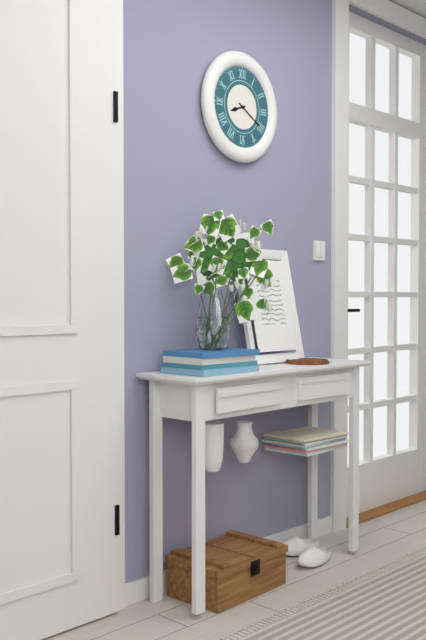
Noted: {"hour": 8, "minute": 20}
